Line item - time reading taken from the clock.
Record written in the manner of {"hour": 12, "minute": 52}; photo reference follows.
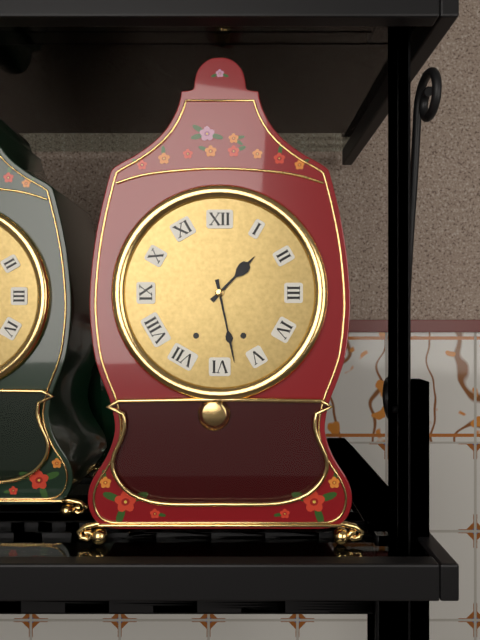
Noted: {"hour": 1, "minute": 28}
